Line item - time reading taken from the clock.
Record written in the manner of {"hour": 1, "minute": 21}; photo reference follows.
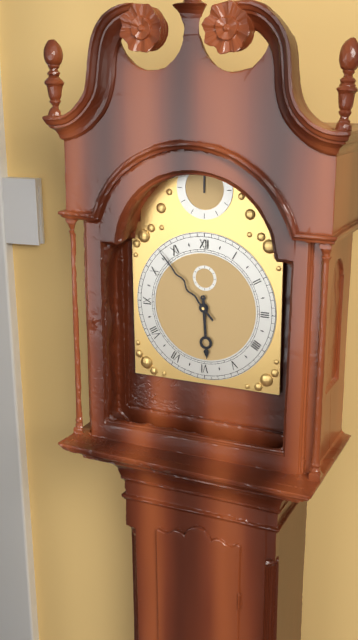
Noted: {"hour": 5, "minute": 53}
